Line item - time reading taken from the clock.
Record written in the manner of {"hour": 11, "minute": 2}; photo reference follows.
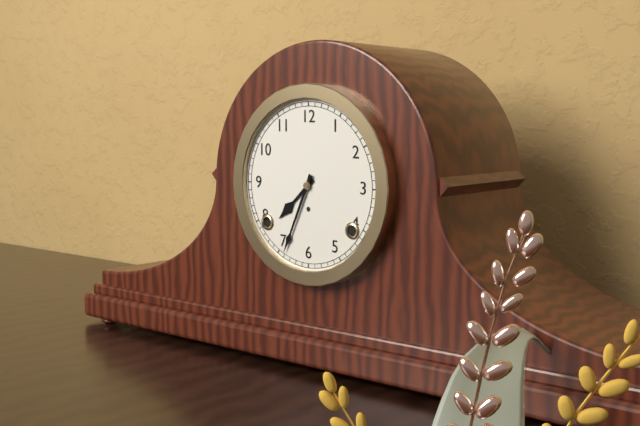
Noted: {"hour": 7, "minute": 34}
